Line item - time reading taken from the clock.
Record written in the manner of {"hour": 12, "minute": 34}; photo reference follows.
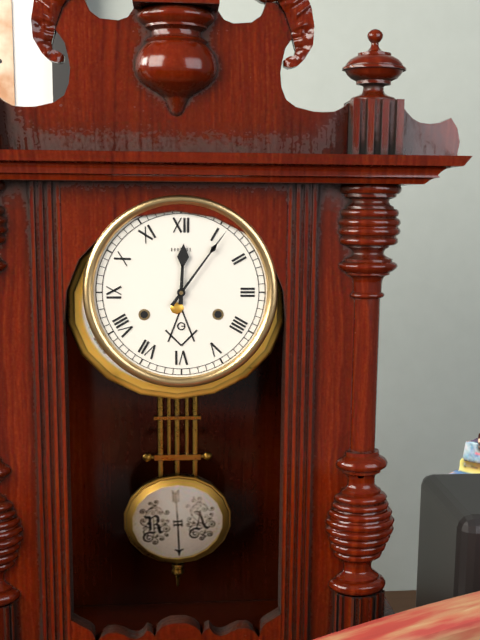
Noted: {"hour": 12, "minute": 6}
